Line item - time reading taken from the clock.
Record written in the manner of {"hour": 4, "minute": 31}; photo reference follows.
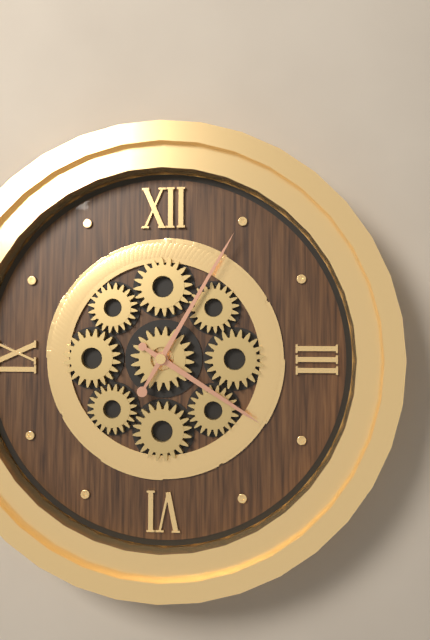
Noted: {"hour": 4, "minute": 5}
